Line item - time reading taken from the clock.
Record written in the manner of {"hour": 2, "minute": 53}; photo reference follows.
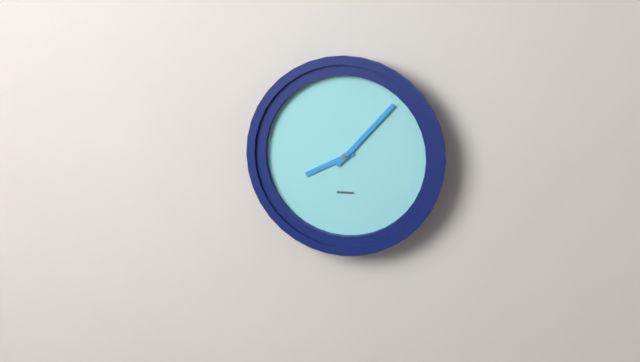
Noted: {"hour": 8, "minute": 7}
